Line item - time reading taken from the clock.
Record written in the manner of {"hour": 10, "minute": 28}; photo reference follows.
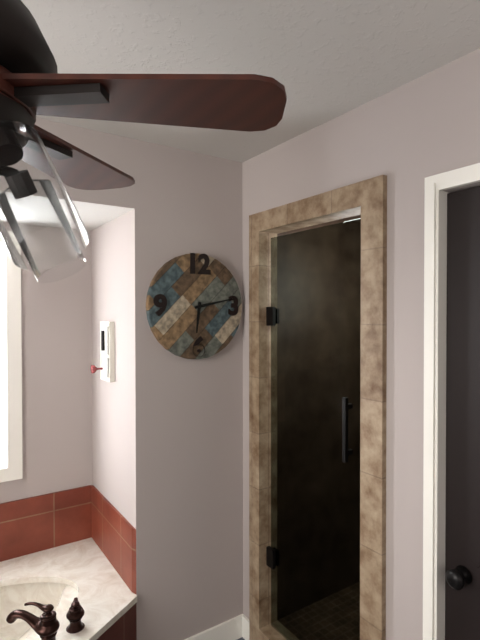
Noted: {"hour": 6, "minute": 13}
